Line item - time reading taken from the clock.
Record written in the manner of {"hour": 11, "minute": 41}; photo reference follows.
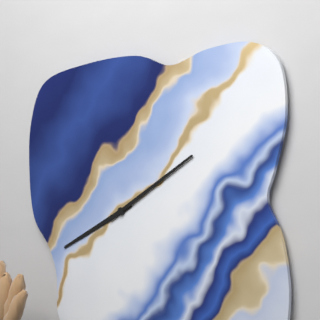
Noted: {"hour": 8, "minute": 10}
